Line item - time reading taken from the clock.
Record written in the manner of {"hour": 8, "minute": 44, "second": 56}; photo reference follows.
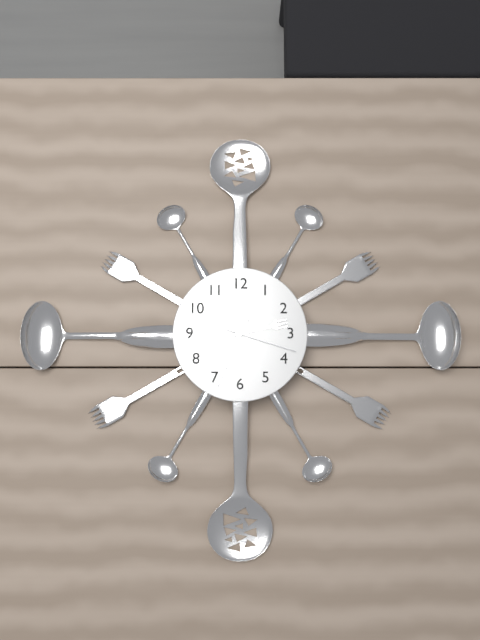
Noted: {"hour": 2, "minute": 34, "second": 18}
